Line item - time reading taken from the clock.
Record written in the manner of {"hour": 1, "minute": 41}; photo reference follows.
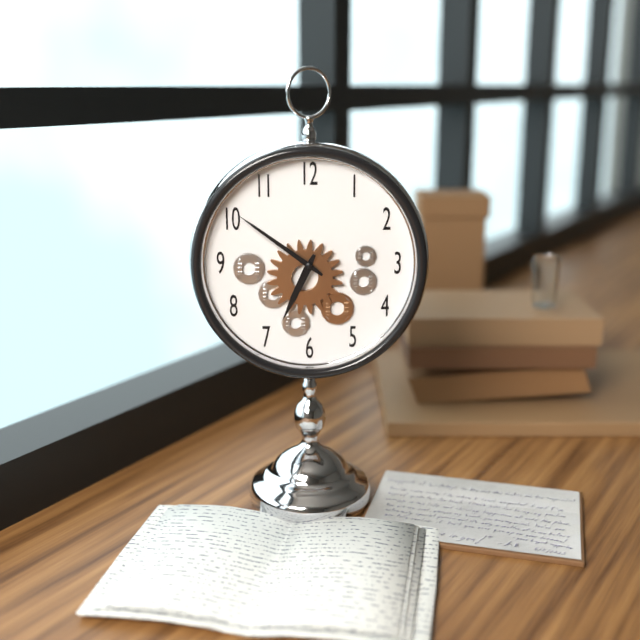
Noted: {"hour": 6, "minute": 51}
